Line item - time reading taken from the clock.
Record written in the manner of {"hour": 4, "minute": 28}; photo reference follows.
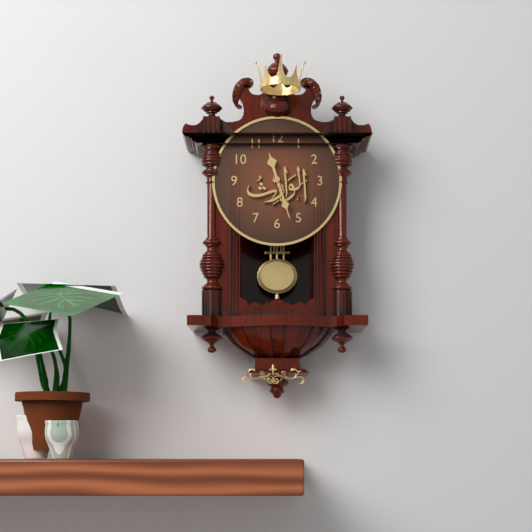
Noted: {"hour": 11, "minute": 27}
